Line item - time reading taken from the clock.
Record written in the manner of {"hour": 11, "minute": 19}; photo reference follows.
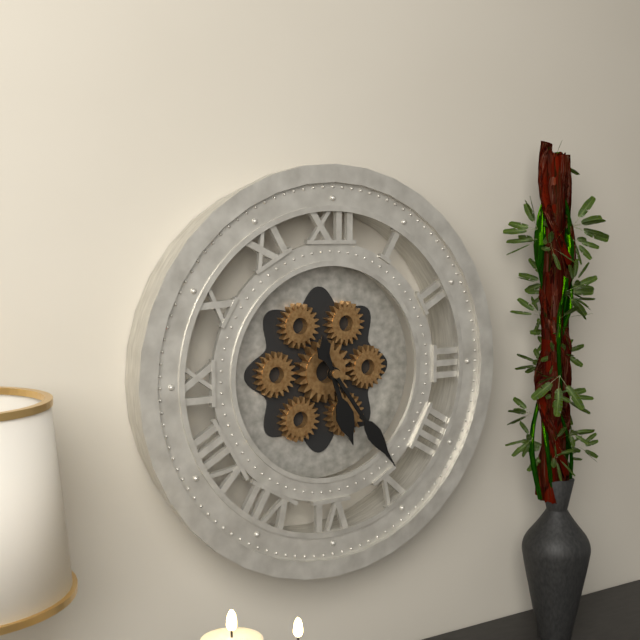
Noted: {"hour": 5, "minute": 24}
